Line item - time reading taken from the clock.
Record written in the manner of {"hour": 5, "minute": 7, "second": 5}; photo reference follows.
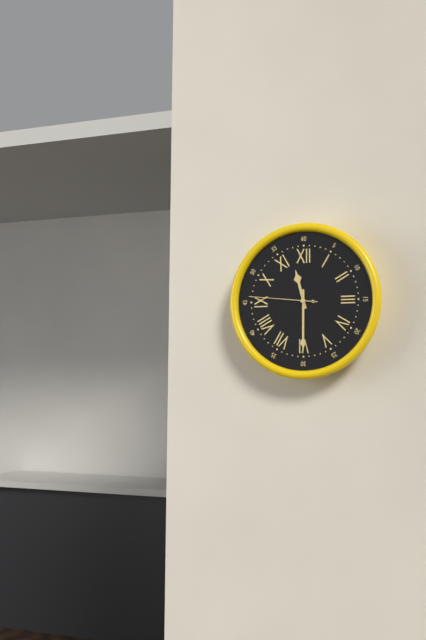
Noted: {"hour": 11, "minute": 30, "second": 46}
